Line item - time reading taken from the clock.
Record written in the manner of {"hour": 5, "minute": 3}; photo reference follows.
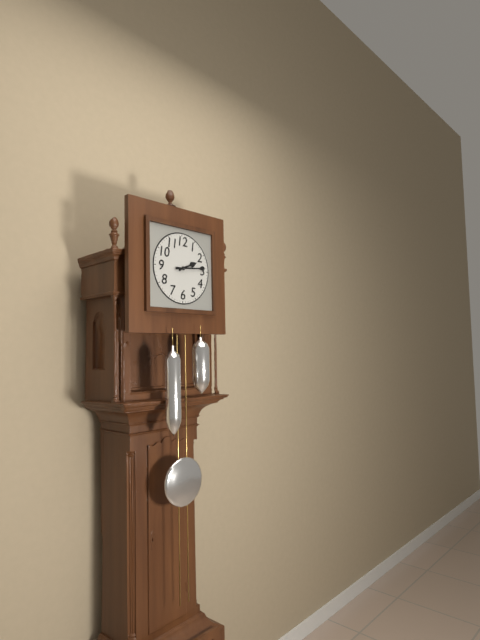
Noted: {"hour": 2, "minute": 14}
